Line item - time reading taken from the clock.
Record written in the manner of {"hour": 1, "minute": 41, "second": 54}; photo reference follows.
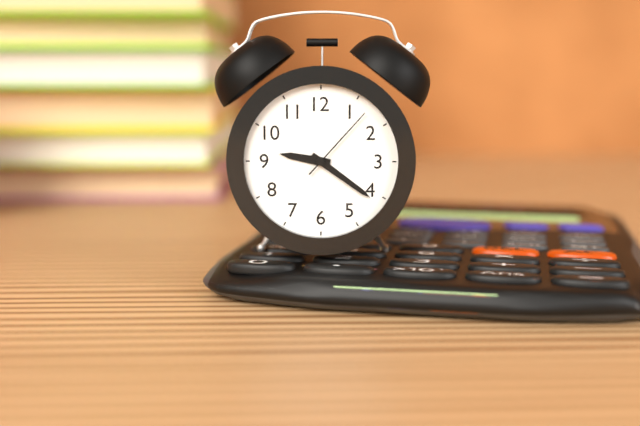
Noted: {"hour": 9, "minute": 21, "second": 7}
